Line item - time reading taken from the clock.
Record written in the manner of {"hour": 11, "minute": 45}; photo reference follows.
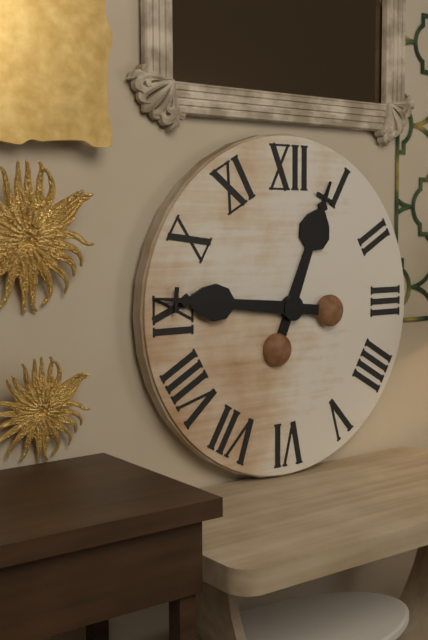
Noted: {"hour": 12, "minute": 46}
